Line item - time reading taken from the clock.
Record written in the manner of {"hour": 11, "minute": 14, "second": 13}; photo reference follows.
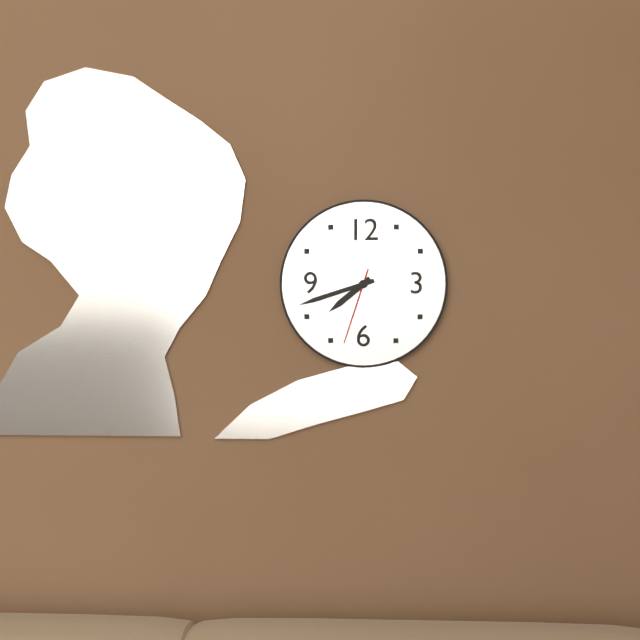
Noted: {"hour": 7, "minute": 42, "second": 33}
